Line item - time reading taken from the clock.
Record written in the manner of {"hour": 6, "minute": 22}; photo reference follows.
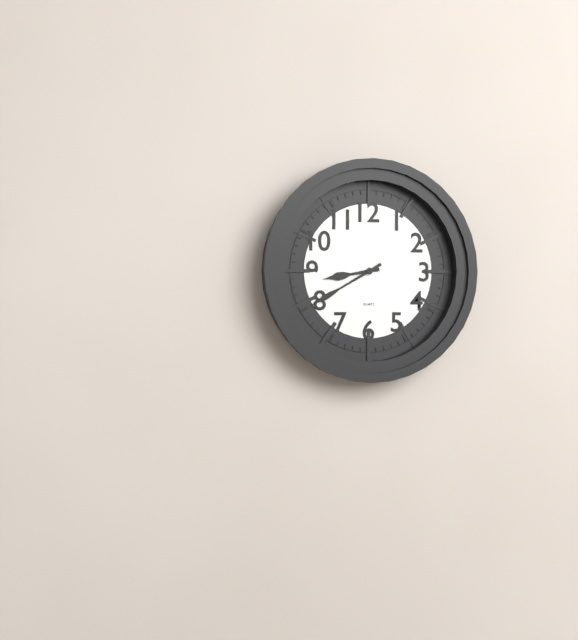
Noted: {"hour": 8, "minute": 40}
